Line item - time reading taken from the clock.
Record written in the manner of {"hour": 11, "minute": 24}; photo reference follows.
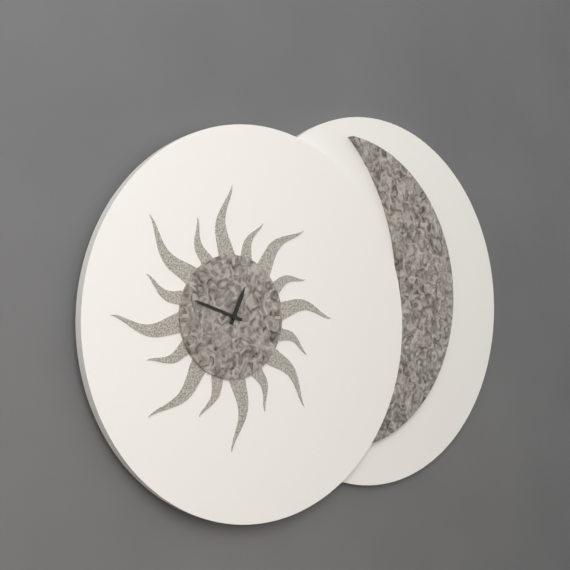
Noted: {"hour": 12, "minute": 48}
